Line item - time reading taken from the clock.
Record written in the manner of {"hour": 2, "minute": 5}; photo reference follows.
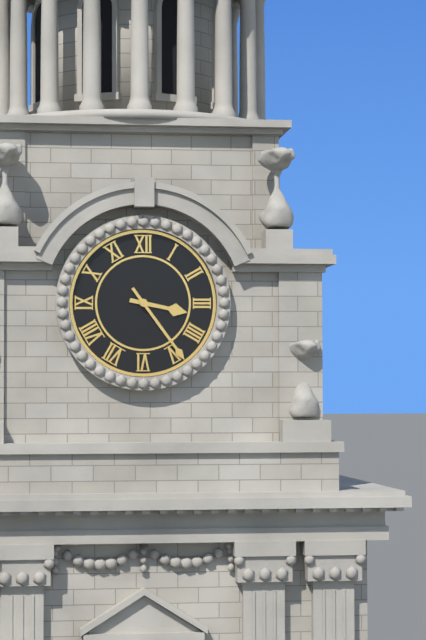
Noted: {"hour": 3, "minute": 24}
